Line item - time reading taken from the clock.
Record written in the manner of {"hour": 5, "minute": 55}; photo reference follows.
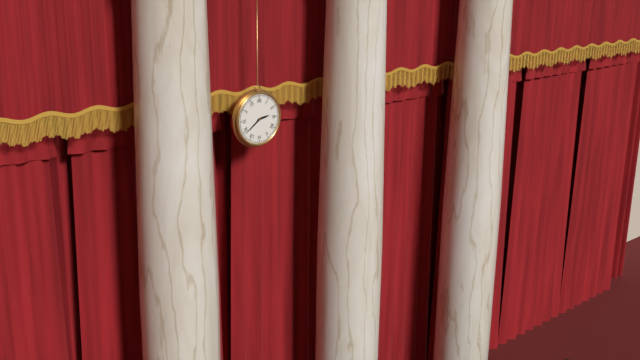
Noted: {"hour": 2, "minute": 39}
